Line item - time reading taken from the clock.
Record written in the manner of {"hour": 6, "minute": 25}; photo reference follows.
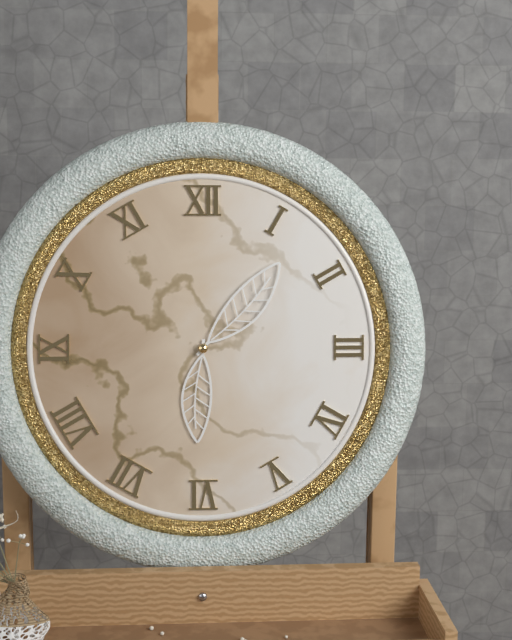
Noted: {"hour": 6, "minute": 7}
